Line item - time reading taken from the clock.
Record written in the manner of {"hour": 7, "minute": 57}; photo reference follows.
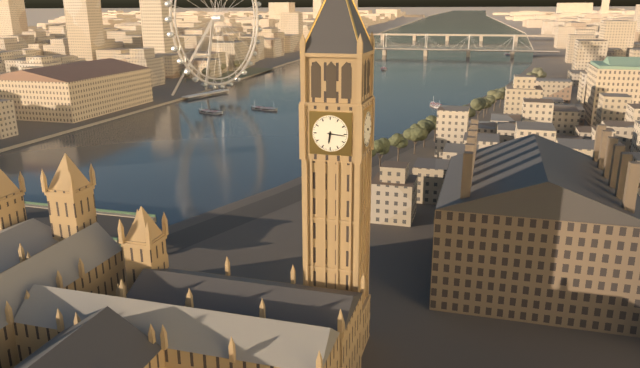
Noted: {"hour": 6, "minute": 16}
